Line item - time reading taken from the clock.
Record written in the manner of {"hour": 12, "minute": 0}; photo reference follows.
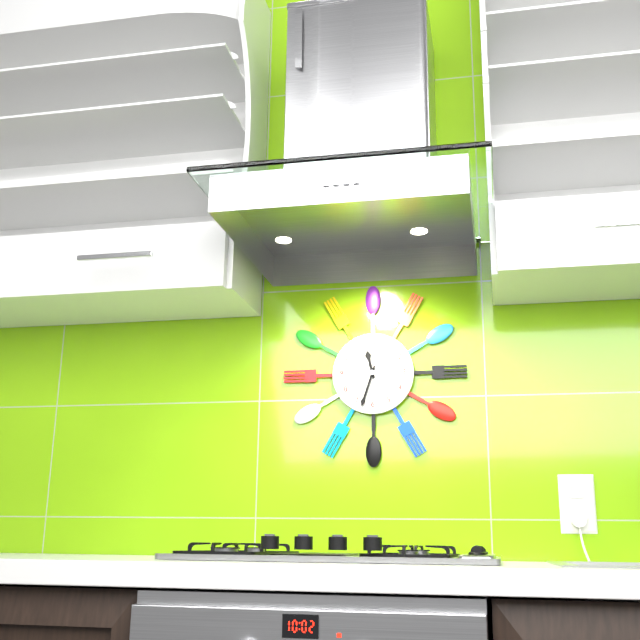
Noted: {"hour": 11, "minute": 33}
